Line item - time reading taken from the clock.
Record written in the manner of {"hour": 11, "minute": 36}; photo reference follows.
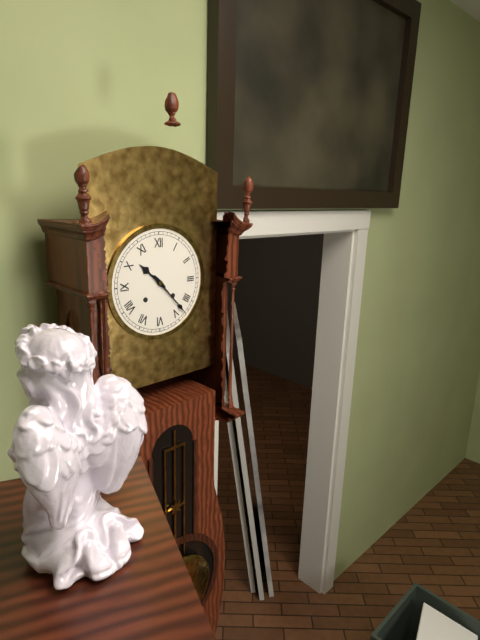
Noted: {"hour": 10, "minute": 23}
